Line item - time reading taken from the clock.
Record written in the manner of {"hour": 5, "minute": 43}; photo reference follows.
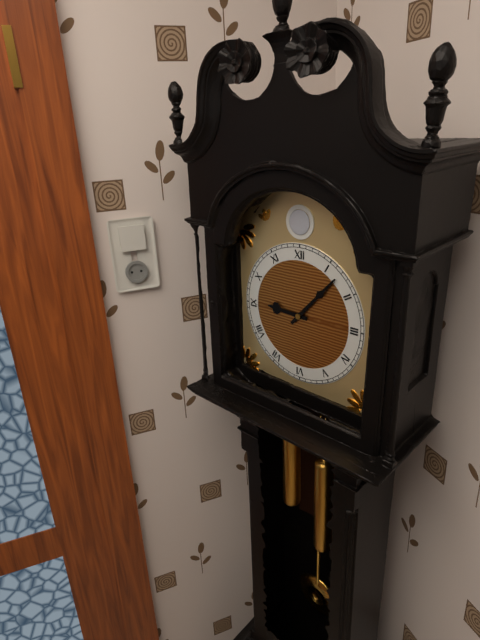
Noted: {"hour": 9, "minute": 7}
